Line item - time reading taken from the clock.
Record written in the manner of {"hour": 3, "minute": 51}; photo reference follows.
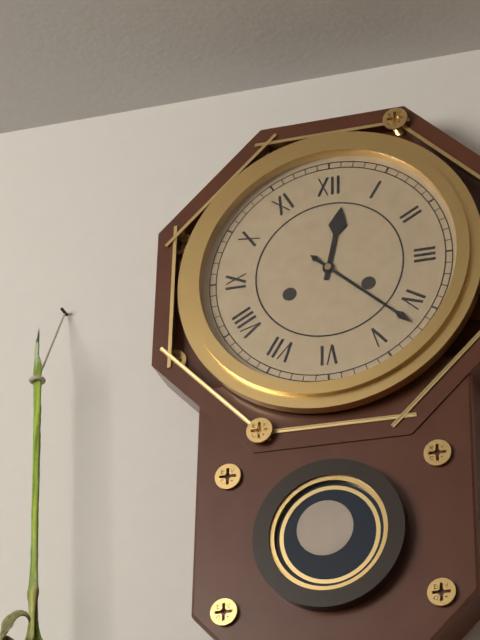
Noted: {"hour": 12, "minute": 22}
